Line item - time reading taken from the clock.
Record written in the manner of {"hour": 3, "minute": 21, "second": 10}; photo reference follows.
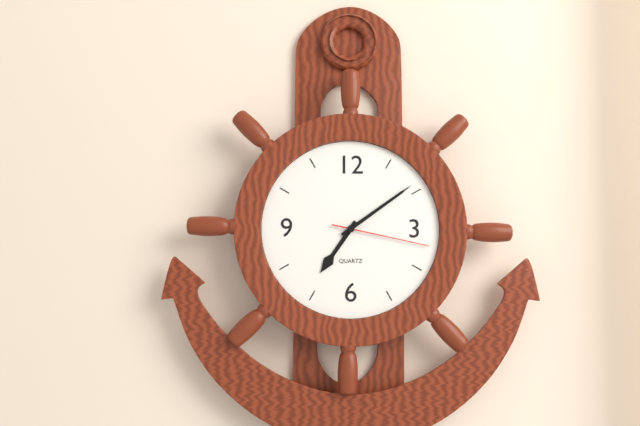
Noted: {"hour": 7, "minute": 9, "second": 17}
